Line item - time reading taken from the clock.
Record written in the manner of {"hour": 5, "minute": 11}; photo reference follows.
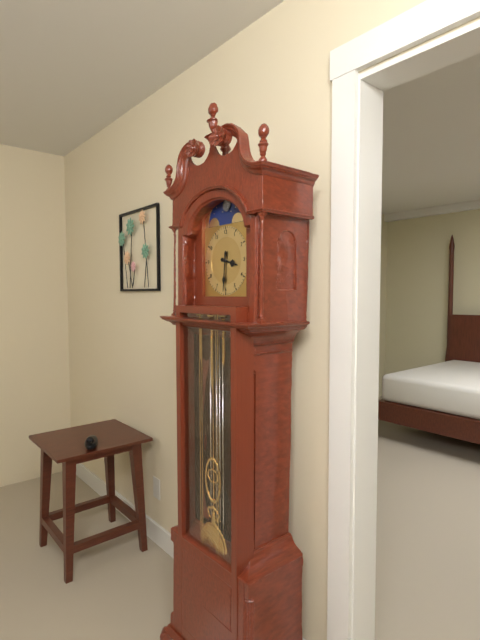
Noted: {"hour": 3, "minute": 31}
